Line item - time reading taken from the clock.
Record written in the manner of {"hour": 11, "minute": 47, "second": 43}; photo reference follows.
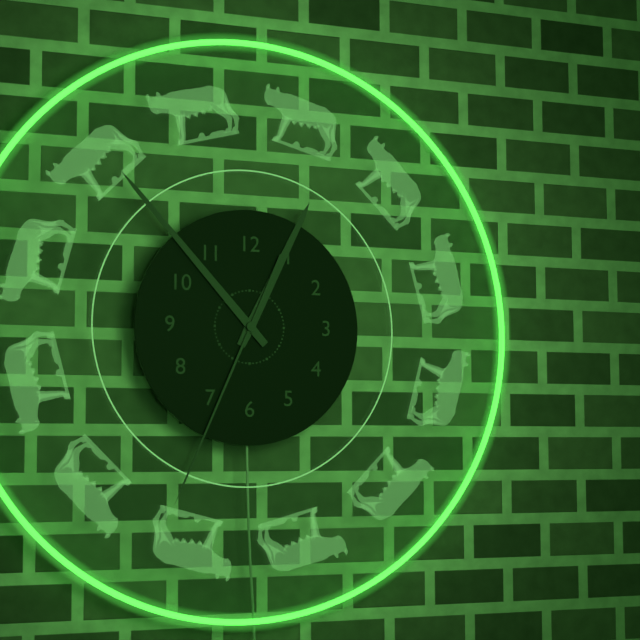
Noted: {"hour": 12, "minute": 53, "second": 34}
